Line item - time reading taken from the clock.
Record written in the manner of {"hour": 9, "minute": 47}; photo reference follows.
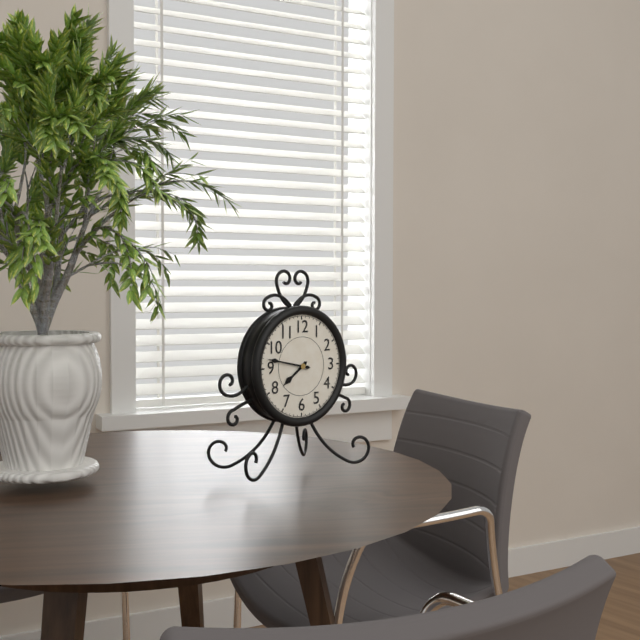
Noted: {"hour": 7, "minute": 47}
